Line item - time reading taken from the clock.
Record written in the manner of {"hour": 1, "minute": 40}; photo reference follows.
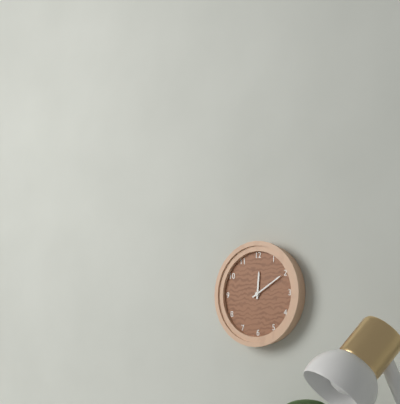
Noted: {"hour": 12, "minute": 10}
